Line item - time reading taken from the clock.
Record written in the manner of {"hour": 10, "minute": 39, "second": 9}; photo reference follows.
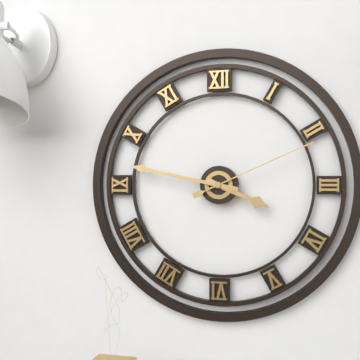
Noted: {"hour": 3, "minute": 47, "second": 11}
